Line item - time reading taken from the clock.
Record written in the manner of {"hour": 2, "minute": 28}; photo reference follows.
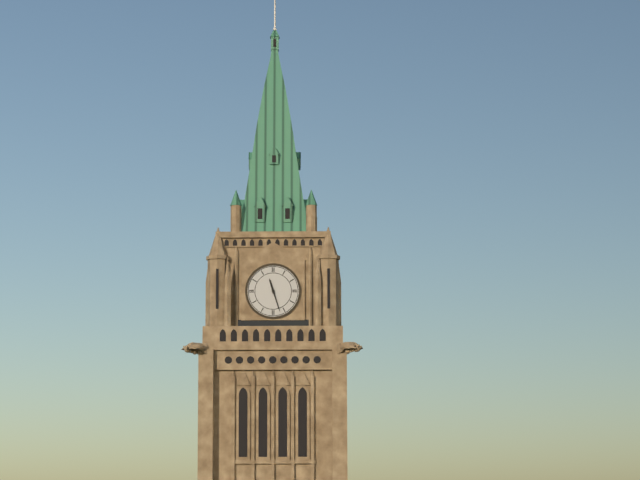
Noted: {"hour": 11, "minute": 27}
